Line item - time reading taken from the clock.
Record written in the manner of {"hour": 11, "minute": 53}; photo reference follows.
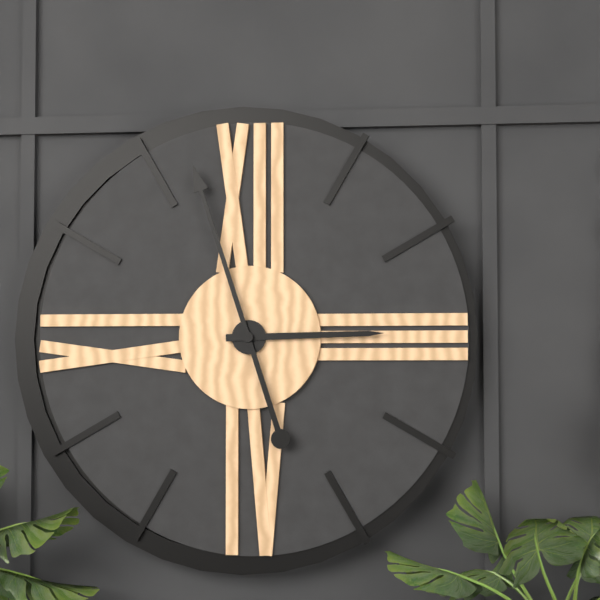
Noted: {"hour": 2, "minute": 57}
